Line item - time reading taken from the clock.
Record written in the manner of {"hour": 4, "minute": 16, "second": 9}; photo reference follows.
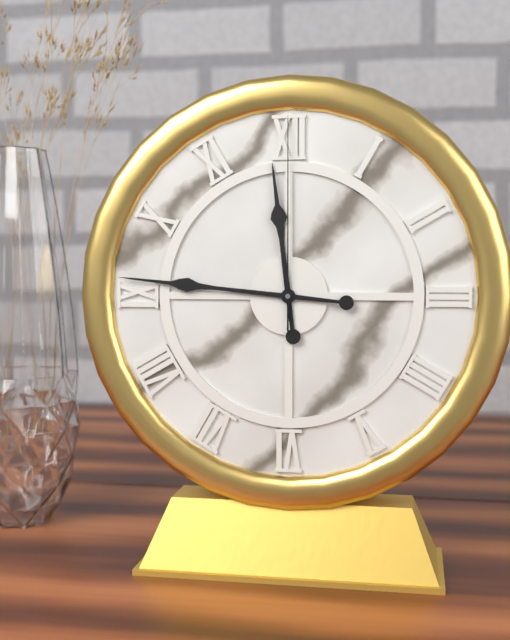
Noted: {"hour": 11, "minute": 46, "second": 0}
